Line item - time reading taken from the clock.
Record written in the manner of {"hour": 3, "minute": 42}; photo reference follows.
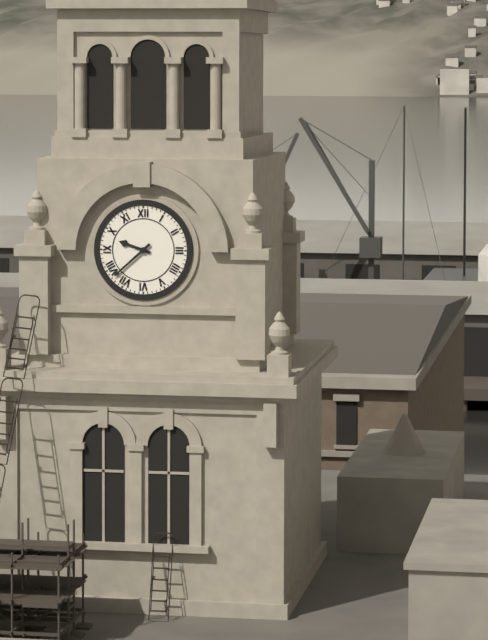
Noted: {"hour": 9, "minute": 38}
